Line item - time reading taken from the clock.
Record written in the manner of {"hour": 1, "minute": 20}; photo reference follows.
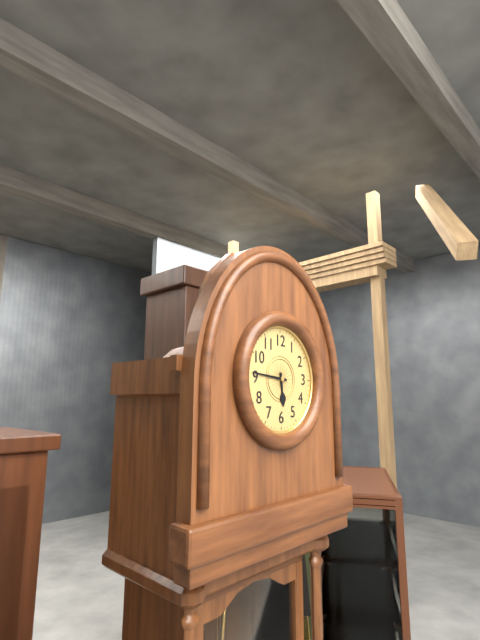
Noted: {"hour": 5, "minute": 46}
